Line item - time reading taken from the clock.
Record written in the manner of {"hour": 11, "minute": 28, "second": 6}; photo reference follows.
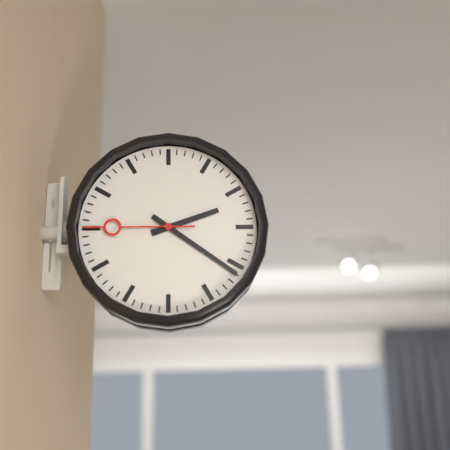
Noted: {"hour": 2, "minute": 21, "second": 45}
